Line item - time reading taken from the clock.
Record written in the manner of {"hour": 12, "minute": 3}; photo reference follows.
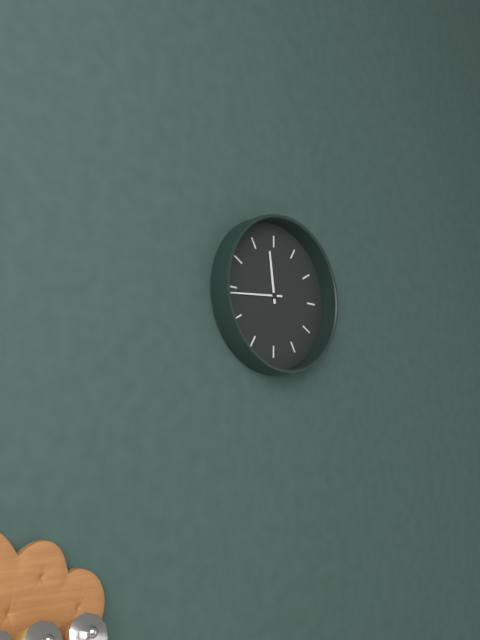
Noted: {"hour": 11, "minute": 44}
